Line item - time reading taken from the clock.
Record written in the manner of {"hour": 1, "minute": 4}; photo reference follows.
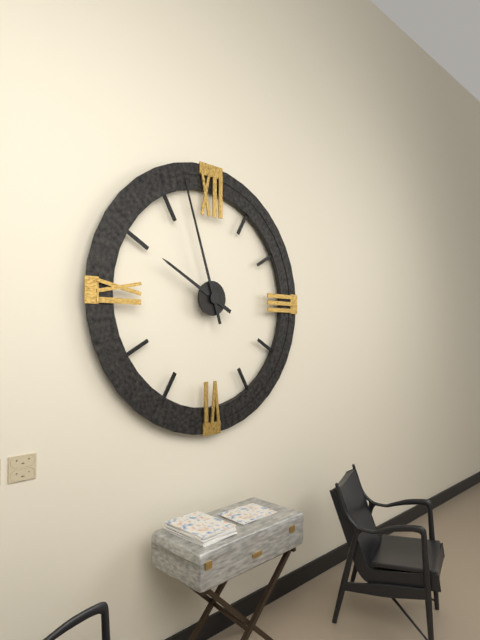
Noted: {"hour": 9, "minute": 57}
